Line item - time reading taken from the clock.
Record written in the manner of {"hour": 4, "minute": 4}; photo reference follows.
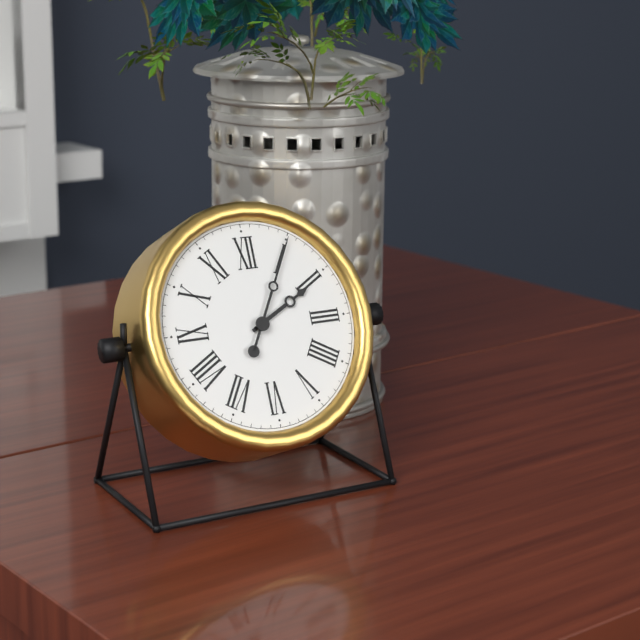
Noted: {"hour": 2, "minute": 5}
